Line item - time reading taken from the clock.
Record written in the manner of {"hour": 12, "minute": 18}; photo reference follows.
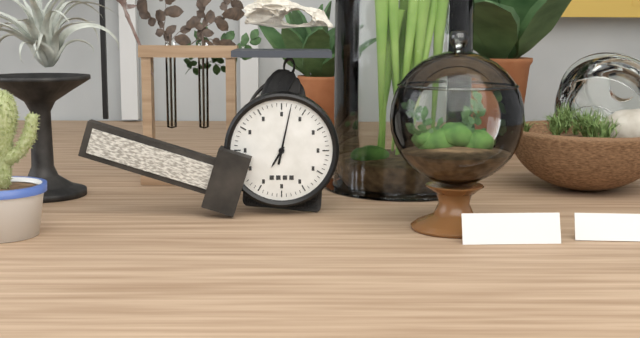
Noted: {"hour": 7, "minute": 2}
